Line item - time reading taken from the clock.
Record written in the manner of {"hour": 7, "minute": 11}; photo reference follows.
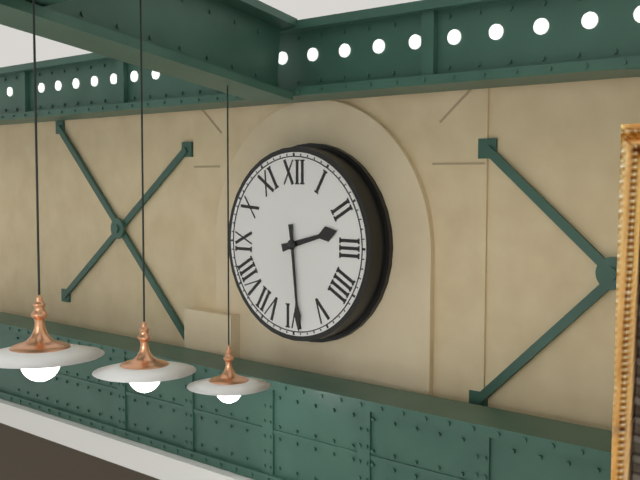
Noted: {"hour": 2, "minute": 29}
